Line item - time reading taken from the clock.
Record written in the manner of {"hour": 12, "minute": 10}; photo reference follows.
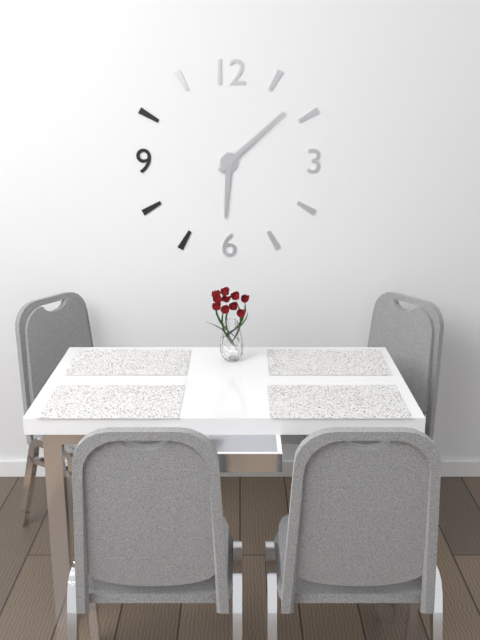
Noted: {"hour": 6, "minute": 8}
